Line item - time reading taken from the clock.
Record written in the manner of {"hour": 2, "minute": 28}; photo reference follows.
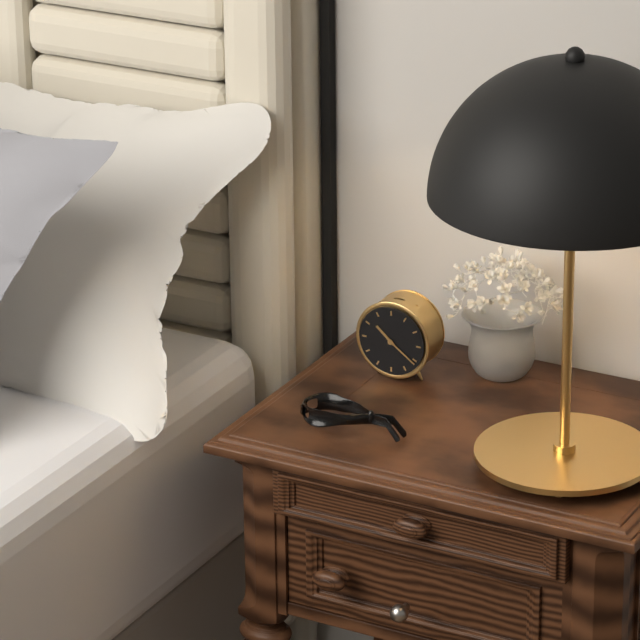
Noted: {"hour": 10, "minute": 21}
